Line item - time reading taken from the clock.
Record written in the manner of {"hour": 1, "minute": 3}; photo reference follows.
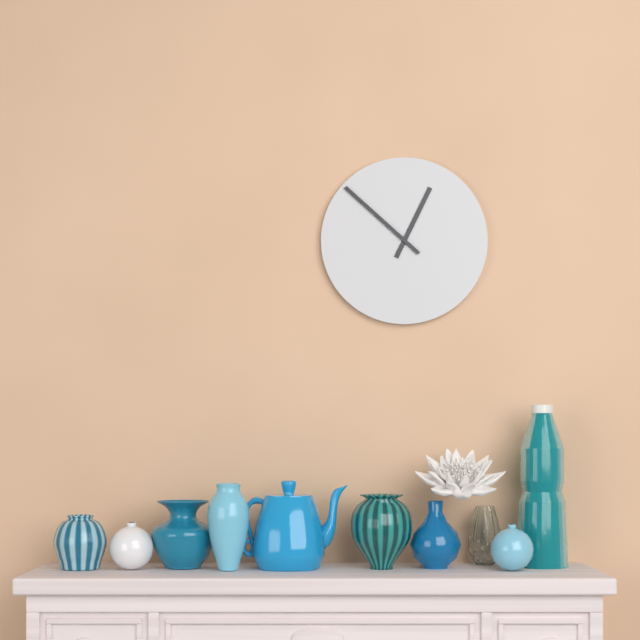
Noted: {"hour": 12, "minute": 52}
